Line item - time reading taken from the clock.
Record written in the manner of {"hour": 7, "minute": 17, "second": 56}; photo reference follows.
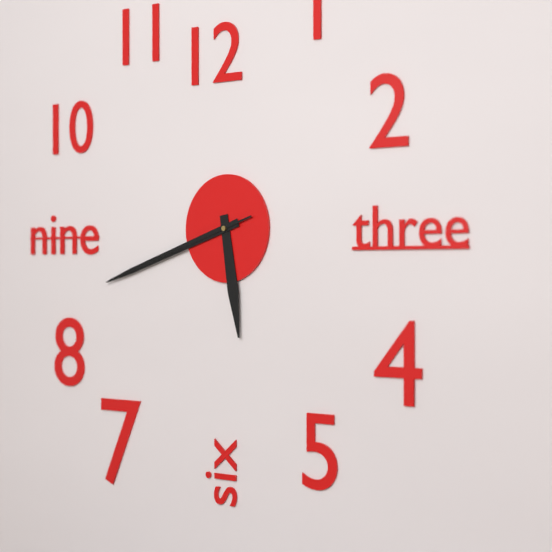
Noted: {"hour": 5, "minute": 42, "second": 42}
